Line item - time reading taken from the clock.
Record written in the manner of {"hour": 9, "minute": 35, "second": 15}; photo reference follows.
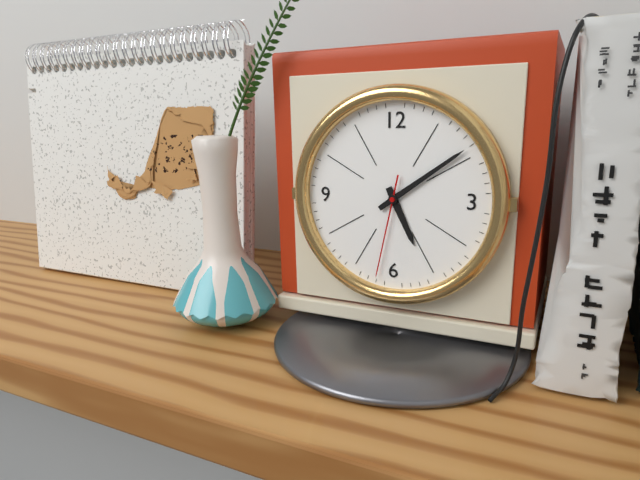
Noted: {"hour": 5, "minute": 9, "second": 32}
